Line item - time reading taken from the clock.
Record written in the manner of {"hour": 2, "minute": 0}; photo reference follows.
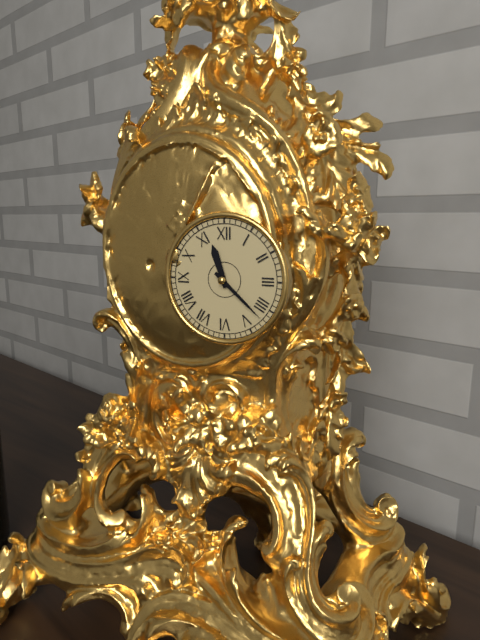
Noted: {"hour": 11, "minute": 22}
